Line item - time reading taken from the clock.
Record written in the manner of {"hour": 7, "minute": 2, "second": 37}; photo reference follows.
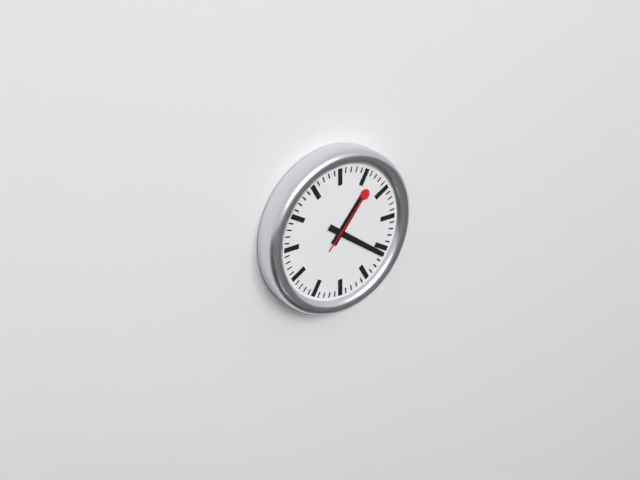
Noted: {"hour": 1, "minute": 21, "second": 7}
